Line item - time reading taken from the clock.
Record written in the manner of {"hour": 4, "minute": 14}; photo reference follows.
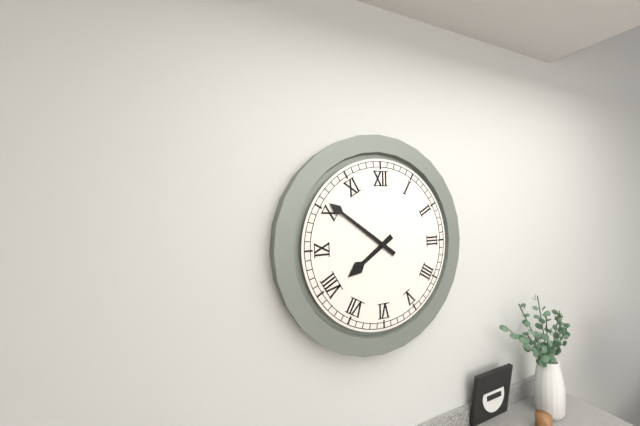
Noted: {"hour": 7, "minute": 51}
